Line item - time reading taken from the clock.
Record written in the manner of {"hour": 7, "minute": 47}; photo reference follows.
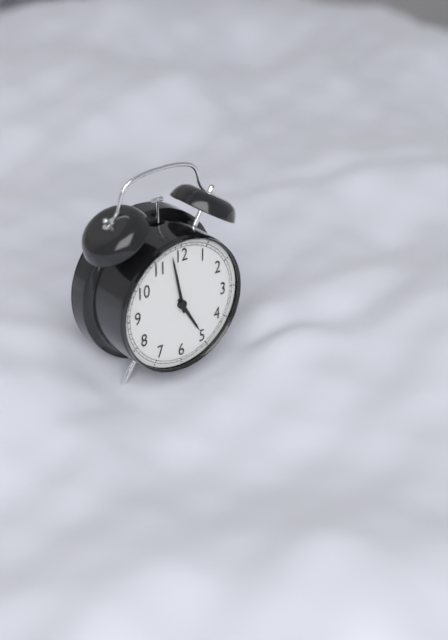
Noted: {"hour": 4, "minute": 58}
